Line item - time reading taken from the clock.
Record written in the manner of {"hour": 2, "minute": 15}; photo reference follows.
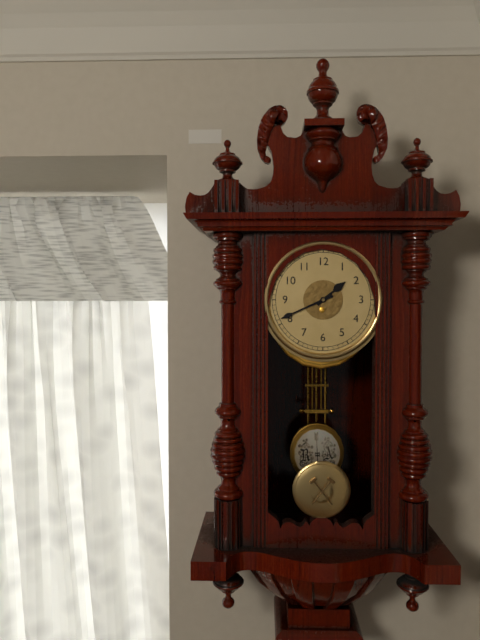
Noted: {"hour": 1, "minute": 41}
